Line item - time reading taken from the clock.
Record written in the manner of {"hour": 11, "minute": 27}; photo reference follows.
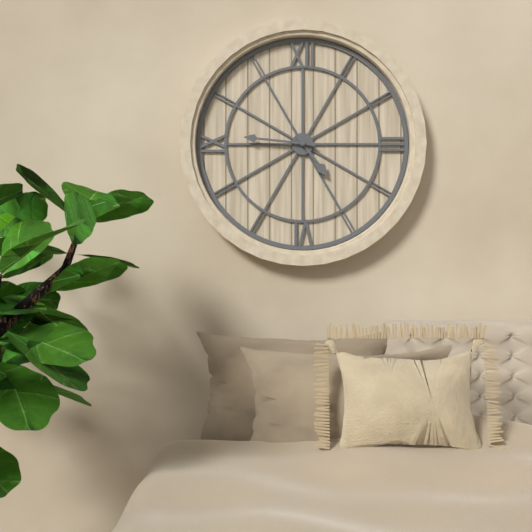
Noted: {"hour": 4, "minute": 46}
